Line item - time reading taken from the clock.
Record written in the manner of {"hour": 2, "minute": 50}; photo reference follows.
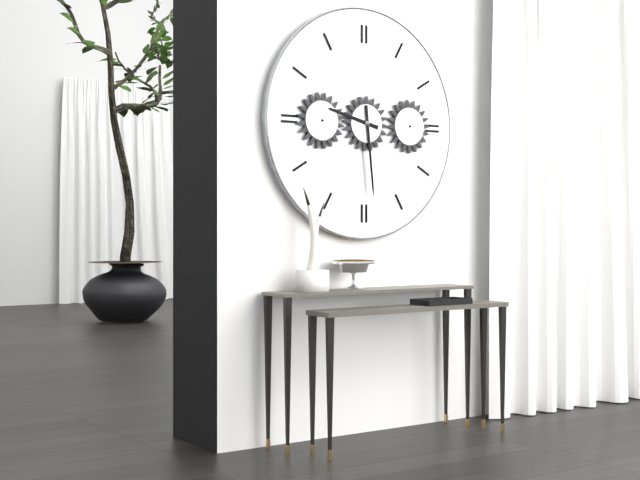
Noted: {"hour": 9, "minute": 29}
